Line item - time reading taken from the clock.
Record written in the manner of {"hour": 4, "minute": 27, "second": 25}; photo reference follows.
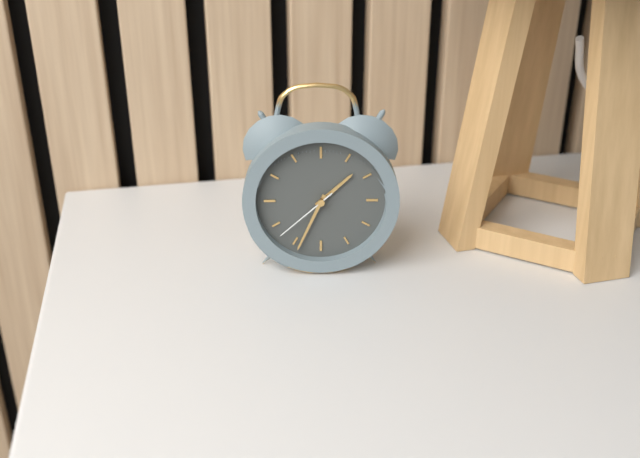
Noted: {"hour": 1, "minute": 34, "second": 38}
